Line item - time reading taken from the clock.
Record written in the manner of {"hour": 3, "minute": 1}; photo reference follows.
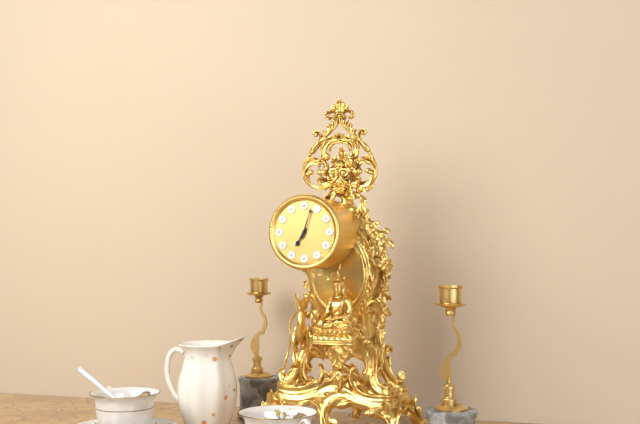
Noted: {"hour": 7, "minute": 3}
